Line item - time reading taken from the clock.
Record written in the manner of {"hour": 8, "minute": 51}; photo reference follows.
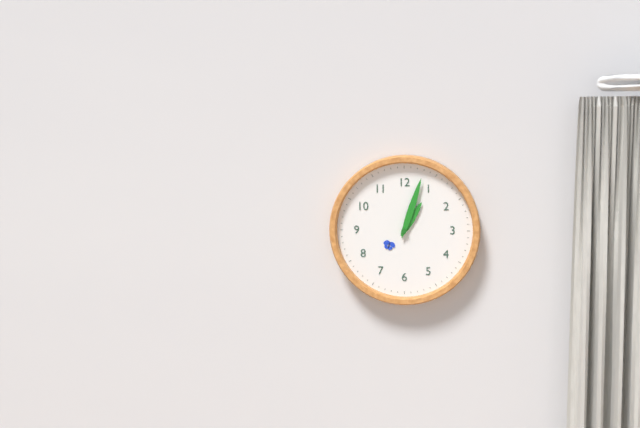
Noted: {"hour": 1, "minute": 3}
